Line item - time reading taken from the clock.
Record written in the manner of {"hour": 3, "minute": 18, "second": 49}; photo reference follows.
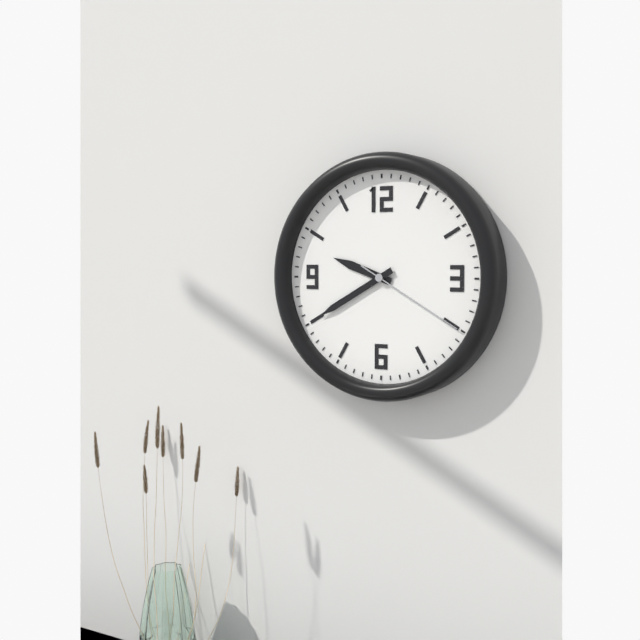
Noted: {"hour": 9, "minute": 40, "second": 20}
